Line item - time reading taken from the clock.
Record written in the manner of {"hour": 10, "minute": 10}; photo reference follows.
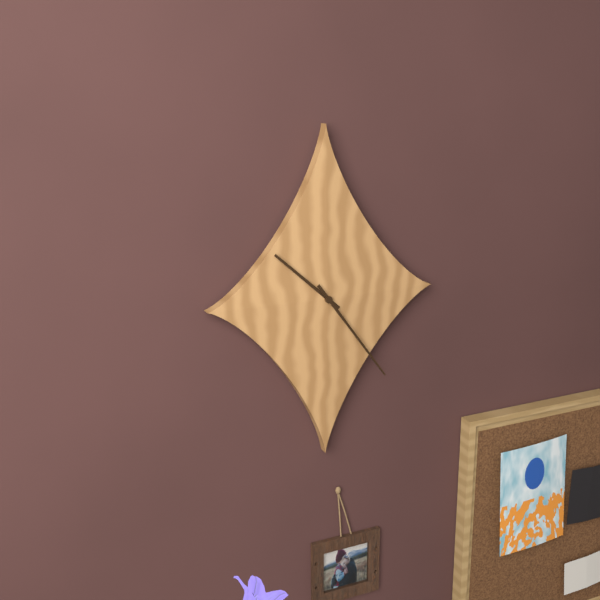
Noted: {"hour": 10, "minute": 24}
